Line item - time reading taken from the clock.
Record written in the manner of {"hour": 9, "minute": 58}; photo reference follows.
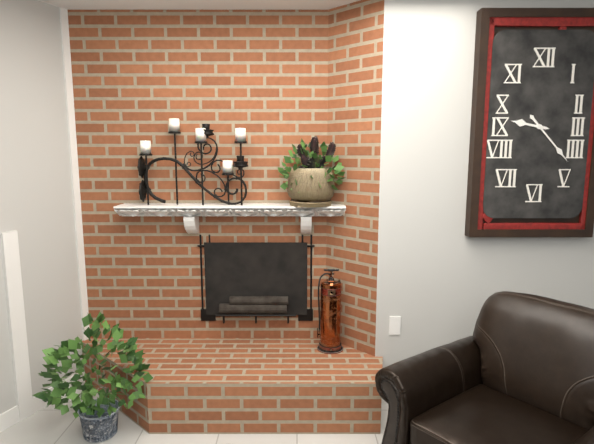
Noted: {"hour": 9, "minute": 23}
